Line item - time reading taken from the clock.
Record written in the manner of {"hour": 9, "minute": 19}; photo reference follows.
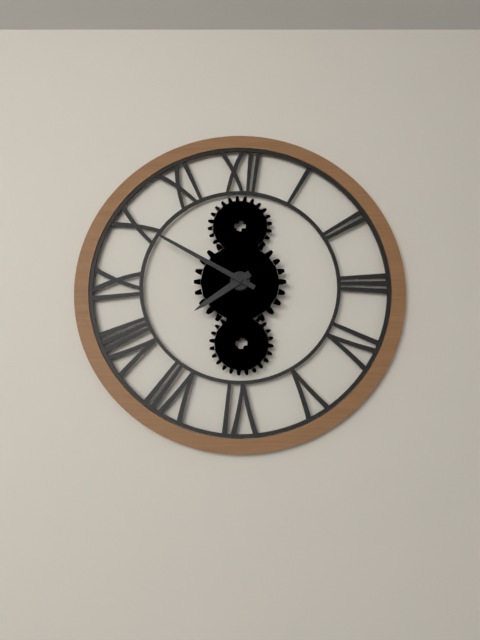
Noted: {"hour": 7, "minute": 50}
